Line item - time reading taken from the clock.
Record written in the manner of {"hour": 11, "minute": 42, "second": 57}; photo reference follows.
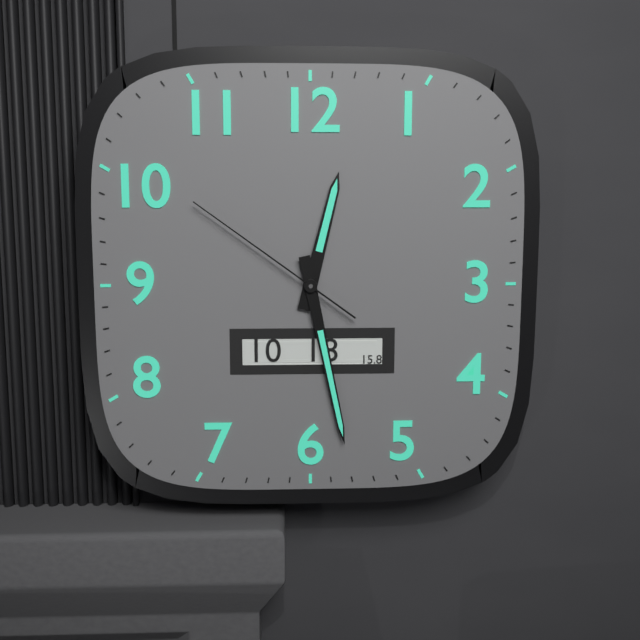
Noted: {"hour": 12, "minute": 28, "second": 51}
